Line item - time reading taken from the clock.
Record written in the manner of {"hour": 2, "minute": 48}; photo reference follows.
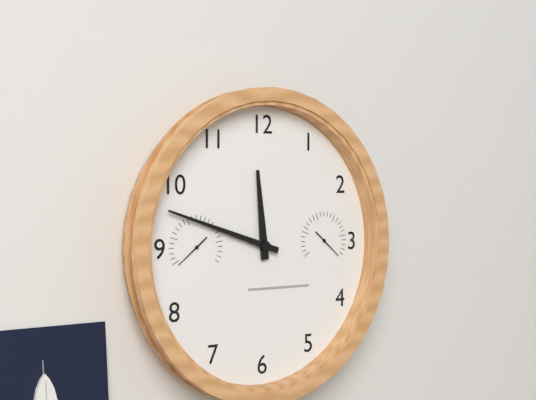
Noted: {"hour": 11, "minute": 48}
